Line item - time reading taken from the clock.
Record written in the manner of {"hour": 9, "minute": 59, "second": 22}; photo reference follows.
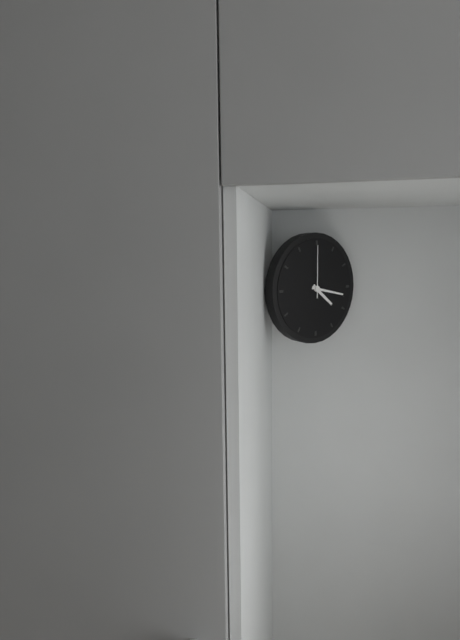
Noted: {"hour": 4, "minute": 17, "second": 0}
